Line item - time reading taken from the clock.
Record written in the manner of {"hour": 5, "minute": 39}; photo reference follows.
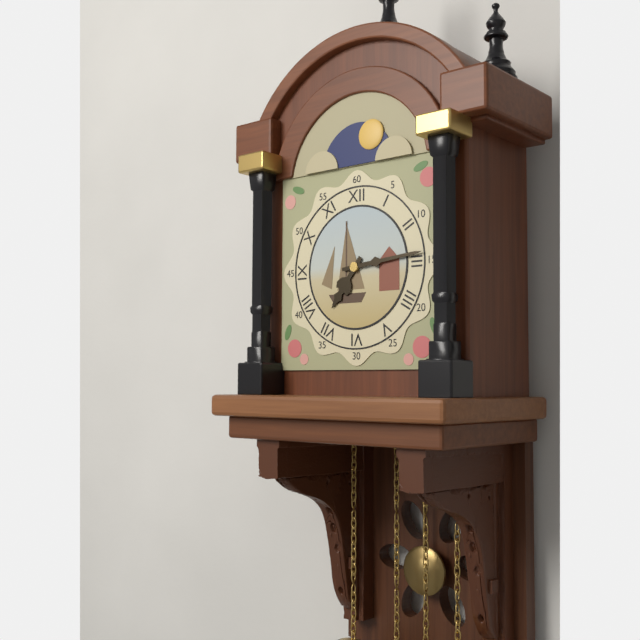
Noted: {"hour": 7, "minute": 14}
